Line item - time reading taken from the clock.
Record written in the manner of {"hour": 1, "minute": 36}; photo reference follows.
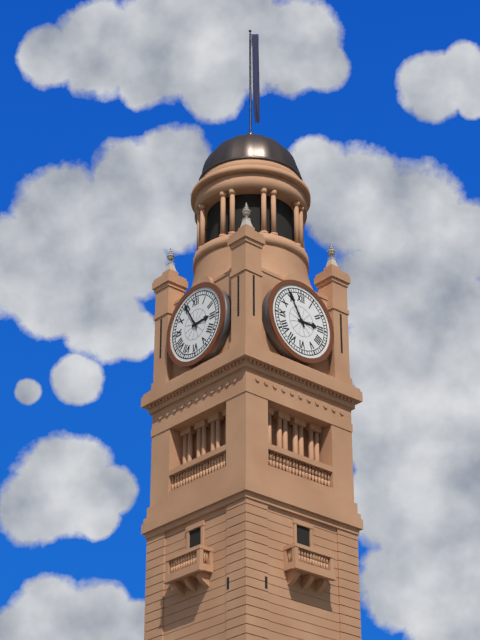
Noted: {"hour": 2, "minute": 55}
